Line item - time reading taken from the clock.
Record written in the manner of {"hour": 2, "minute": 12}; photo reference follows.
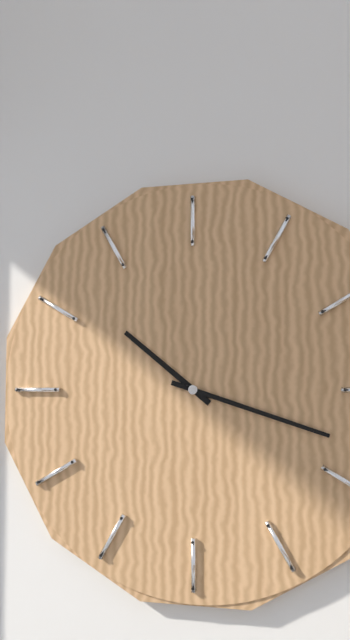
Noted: {"hour": 10, "minute": 18}
